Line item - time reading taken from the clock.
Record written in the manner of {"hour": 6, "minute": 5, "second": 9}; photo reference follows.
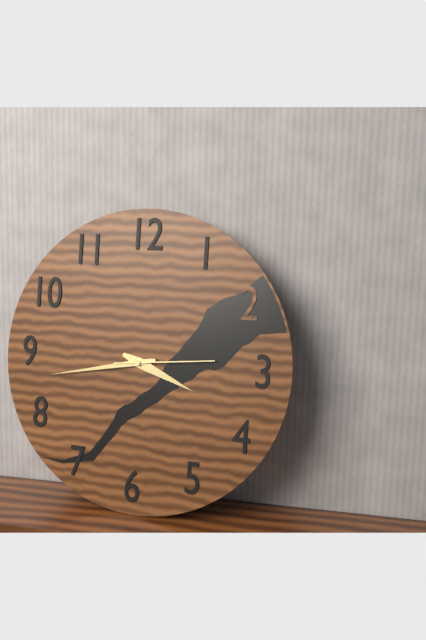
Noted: {"hour": 3, "minute": 43, "second": 14}
